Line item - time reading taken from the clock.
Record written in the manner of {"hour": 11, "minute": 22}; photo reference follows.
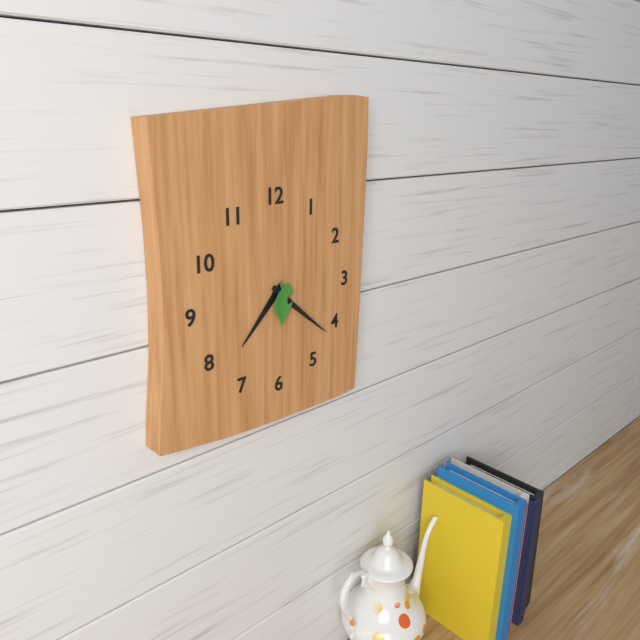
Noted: {"hour": 7, "minute": 22}
